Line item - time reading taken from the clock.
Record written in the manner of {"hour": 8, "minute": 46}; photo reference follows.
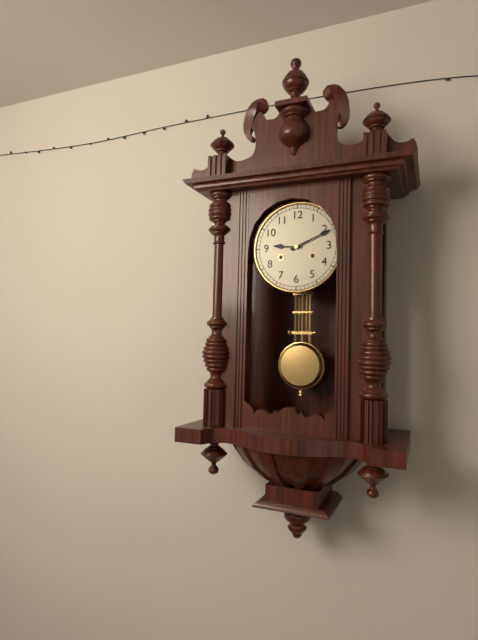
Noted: {"hour": 9, "minute": 11}
